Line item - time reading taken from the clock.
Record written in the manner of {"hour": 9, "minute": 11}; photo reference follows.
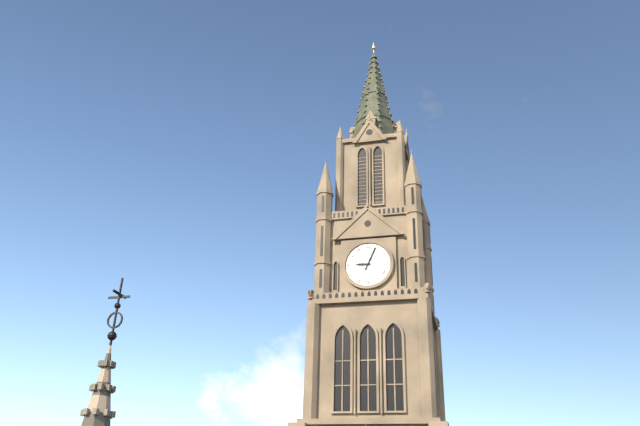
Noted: {"hour": 9, "minute": 4}
